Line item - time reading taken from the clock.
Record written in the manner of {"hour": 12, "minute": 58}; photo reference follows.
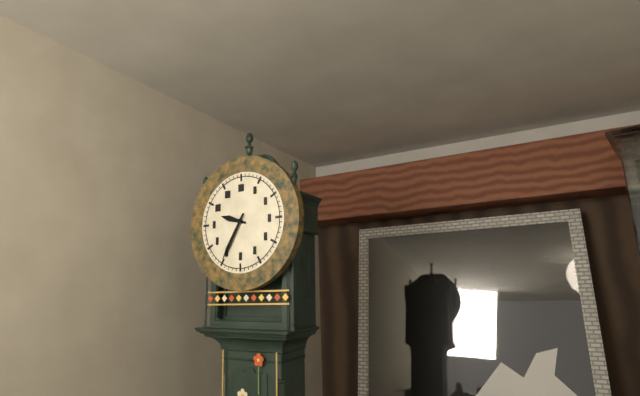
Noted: {"hour": 9, "minute": 35}
